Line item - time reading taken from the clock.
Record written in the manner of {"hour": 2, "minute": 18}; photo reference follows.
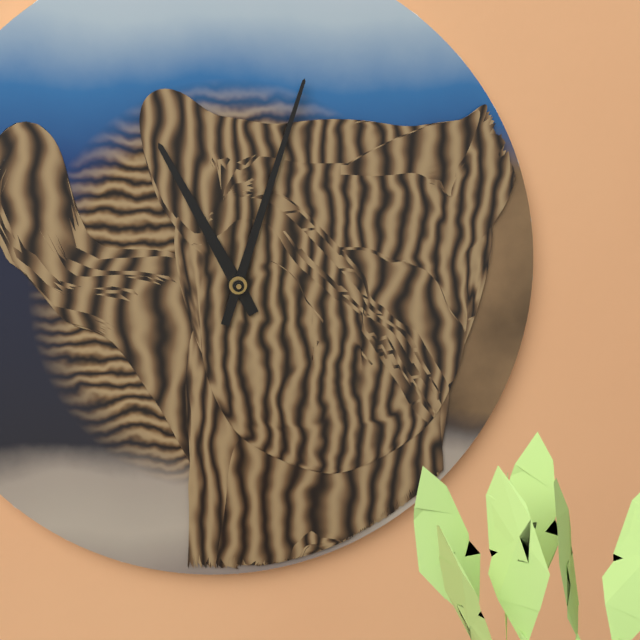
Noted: {"hour": 11, "minute": 3}
